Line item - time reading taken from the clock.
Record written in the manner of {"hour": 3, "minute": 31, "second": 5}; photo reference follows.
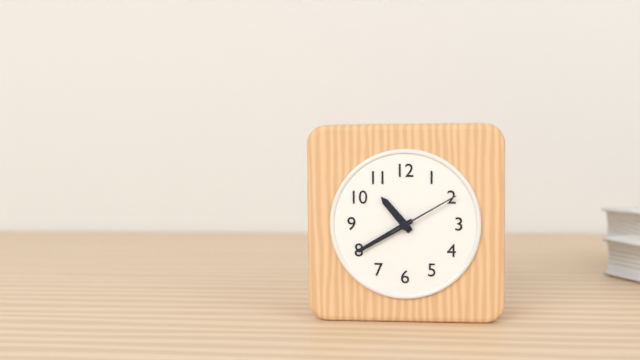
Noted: {"hour": 10, "minute": 40, "second": 10}
